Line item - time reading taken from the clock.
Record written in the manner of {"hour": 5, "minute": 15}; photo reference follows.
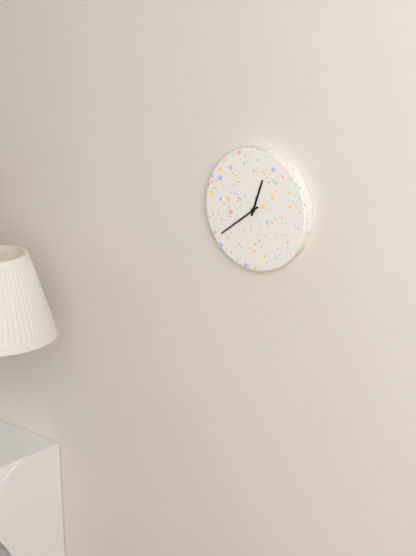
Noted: {"hour": 12, "minute": 39}
